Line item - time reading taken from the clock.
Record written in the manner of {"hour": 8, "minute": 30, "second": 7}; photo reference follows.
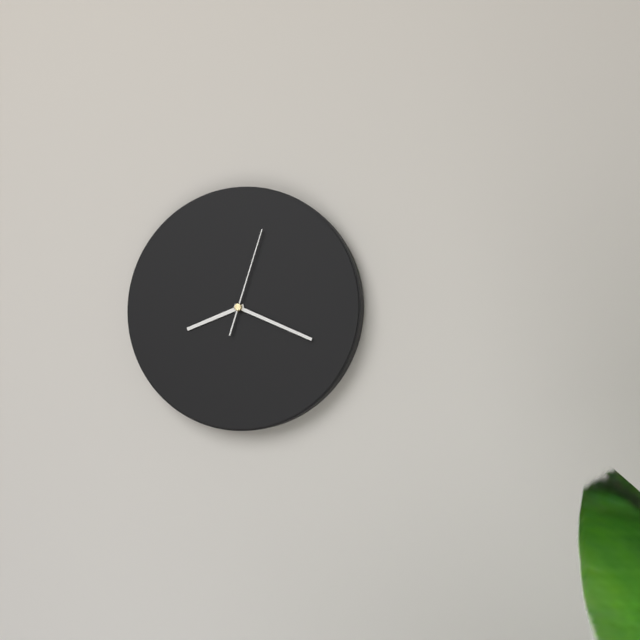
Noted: {"hour": 8, "minute": 19, "second": 3}
